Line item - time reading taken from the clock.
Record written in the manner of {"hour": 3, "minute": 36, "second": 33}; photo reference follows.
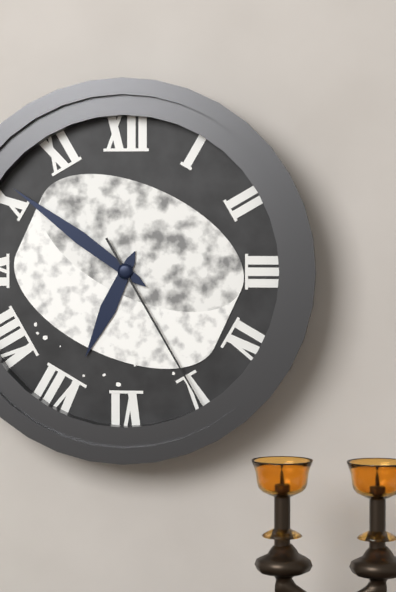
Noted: {"hour": 6, "minute": 51, "second": 25}
